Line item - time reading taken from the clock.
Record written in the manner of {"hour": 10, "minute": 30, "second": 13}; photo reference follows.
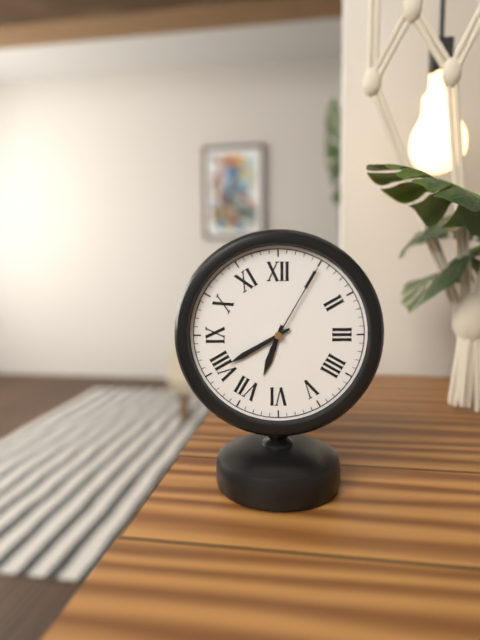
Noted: {"hour": 6, "minute": 40, "second": 5}
